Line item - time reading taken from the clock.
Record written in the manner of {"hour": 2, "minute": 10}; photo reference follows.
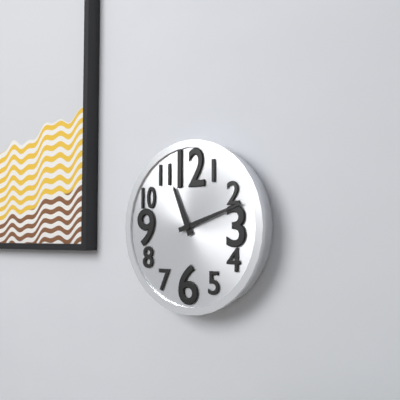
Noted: {"hour": 11, "minute": 12}
